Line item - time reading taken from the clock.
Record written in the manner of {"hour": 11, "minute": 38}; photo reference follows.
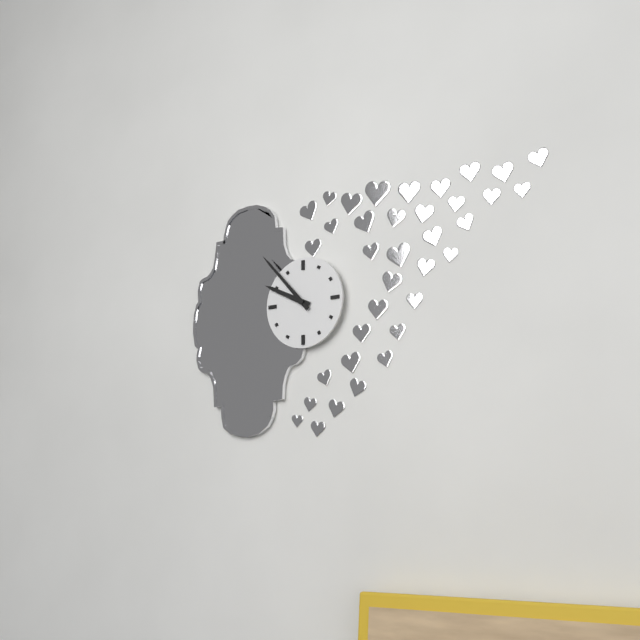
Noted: {"hour": 9, "minute": 53}
